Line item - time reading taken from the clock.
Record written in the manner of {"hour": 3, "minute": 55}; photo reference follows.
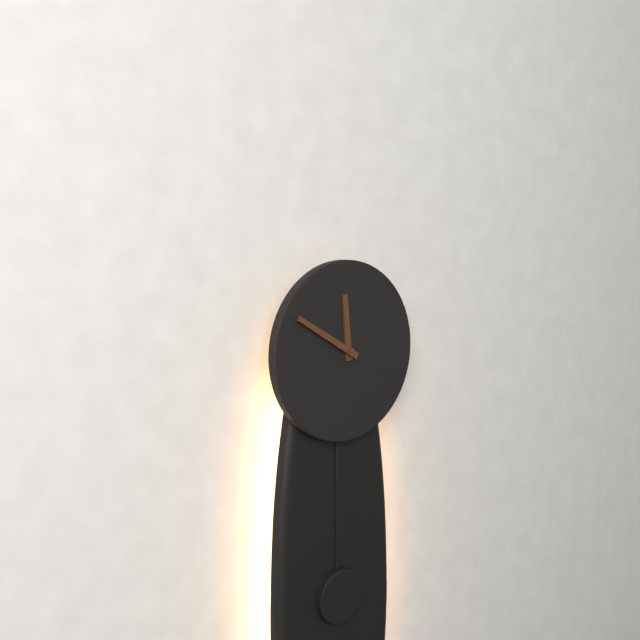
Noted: {"hour": 11, "minute": 50}
